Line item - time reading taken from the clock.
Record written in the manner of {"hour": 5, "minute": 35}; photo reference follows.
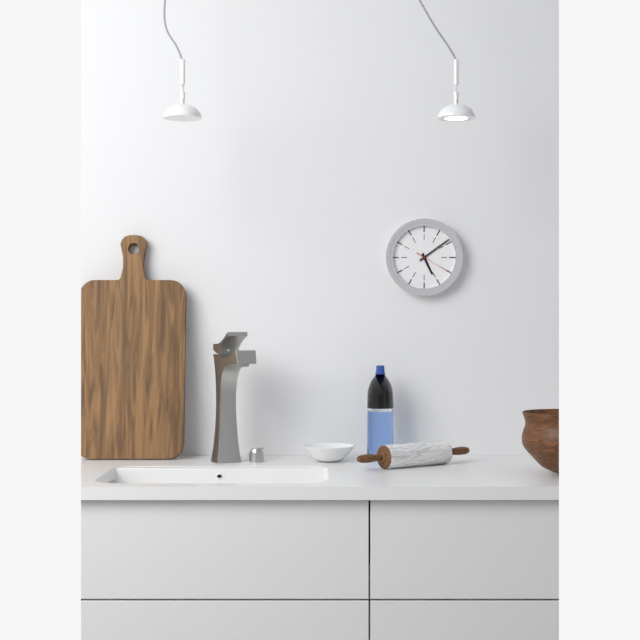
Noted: {"hour": 5, "minute": 9}
